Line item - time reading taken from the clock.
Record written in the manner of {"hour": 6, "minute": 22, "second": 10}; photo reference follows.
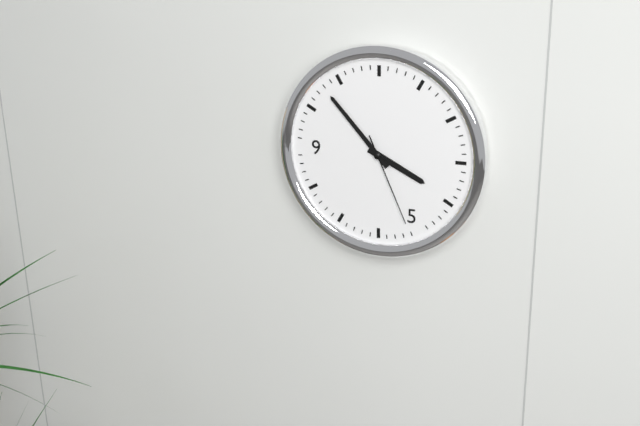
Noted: {"hour": 3, "minute": 53, "second": 26}
